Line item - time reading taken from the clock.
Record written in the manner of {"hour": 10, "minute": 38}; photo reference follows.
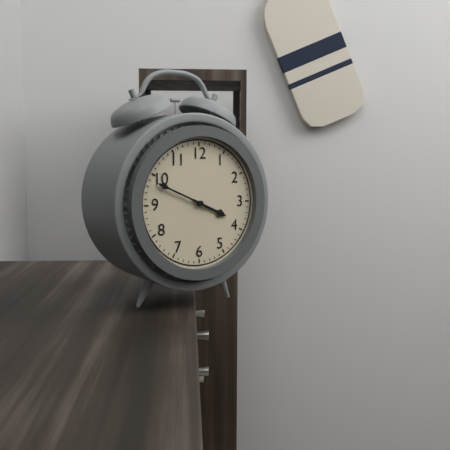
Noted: {"hour": 3, "minute": 49}
